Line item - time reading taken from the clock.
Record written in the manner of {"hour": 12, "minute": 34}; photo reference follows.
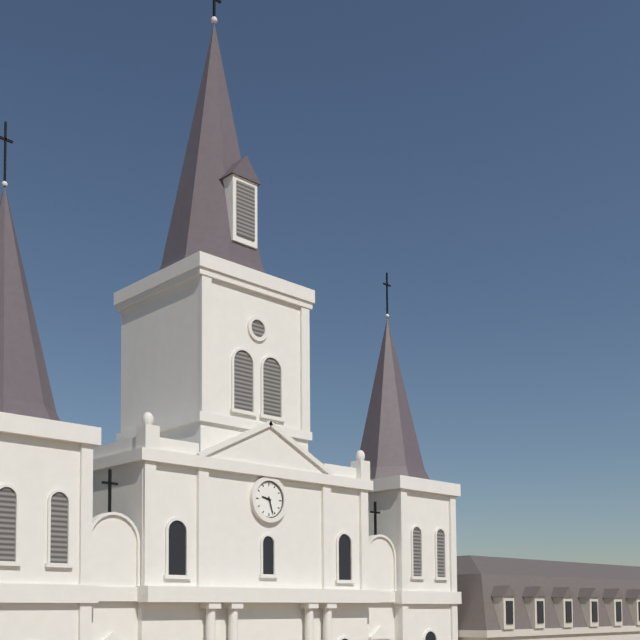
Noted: {"hour": 9, "minute": 27}
